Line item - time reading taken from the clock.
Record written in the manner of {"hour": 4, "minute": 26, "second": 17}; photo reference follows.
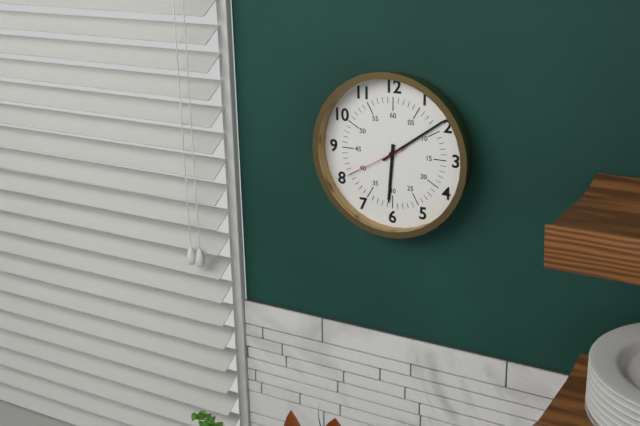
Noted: {"hour": 6, "minute": 9, "second": 40}
